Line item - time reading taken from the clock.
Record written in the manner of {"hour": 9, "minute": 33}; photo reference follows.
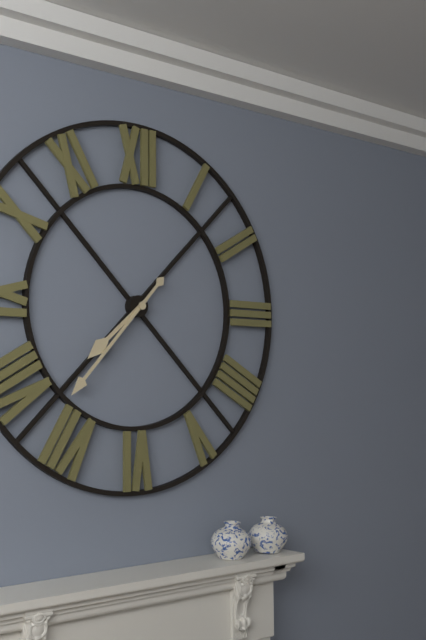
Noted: {"hour": 7, "minute": 37}
